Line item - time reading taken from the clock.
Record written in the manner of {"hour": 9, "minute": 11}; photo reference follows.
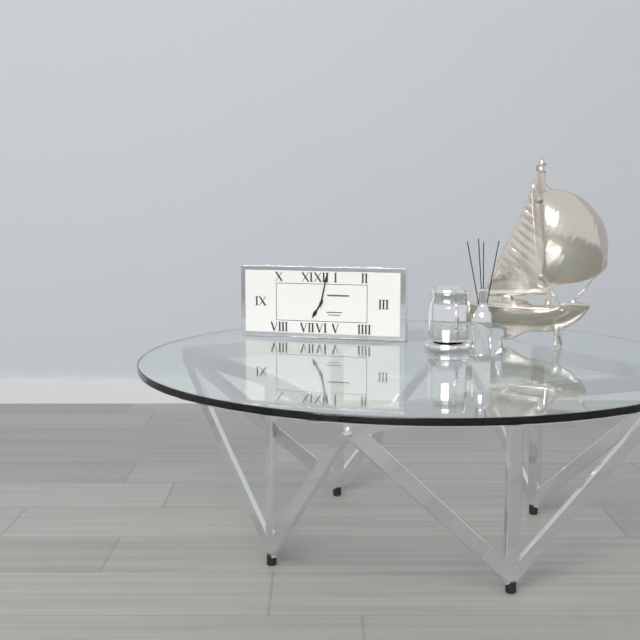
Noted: {"hour": 7, "minute": 2}
